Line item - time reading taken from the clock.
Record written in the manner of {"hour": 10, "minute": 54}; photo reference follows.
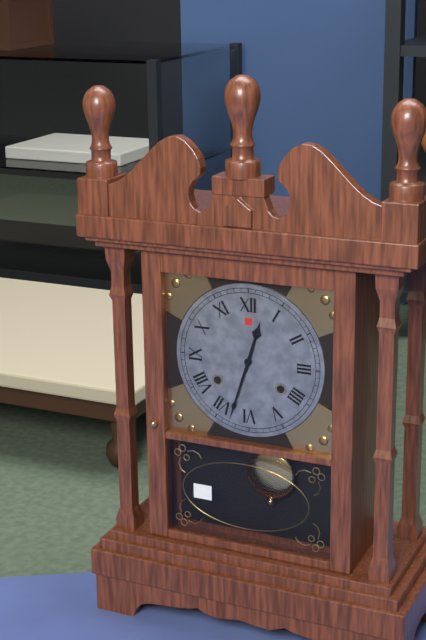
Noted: {"hour": 12, "minute": 33}
